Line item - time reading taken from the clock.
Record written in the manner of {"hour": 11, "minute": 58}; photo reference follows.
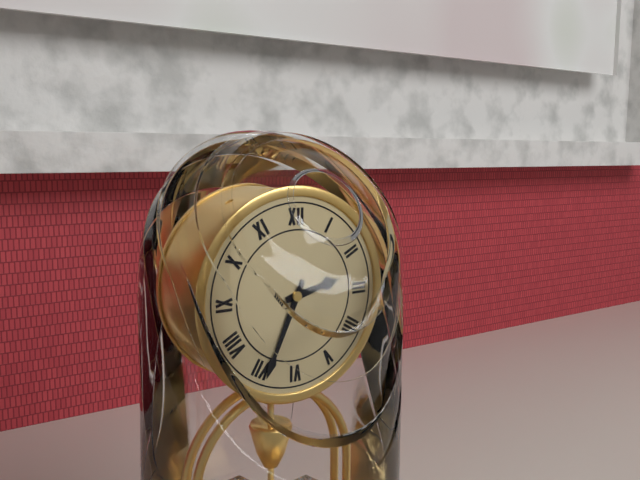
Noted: {"hour": 2, "minute": 34}
